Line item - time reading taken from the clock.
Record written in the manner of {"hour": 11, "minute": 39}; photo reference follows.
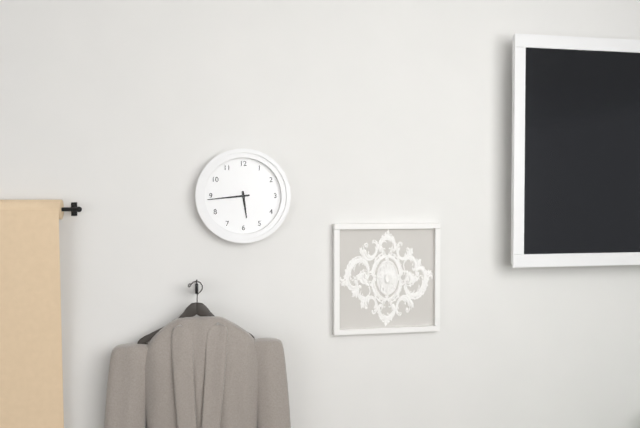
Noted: {"hour": 5, "minute": 44}
